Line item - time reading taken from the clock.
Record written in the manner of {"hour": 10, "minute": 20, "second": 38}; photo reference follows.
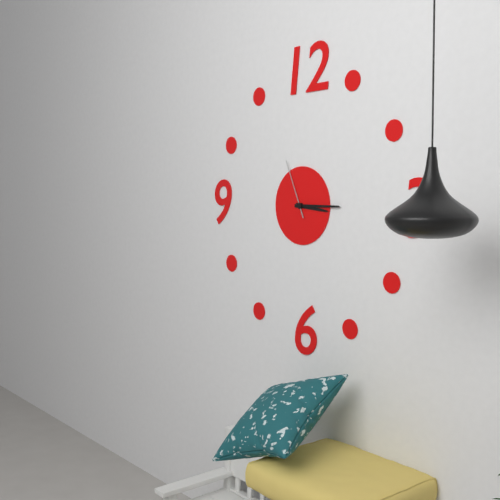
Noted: {"hour": 3, "minute": 15, "second": 56}
